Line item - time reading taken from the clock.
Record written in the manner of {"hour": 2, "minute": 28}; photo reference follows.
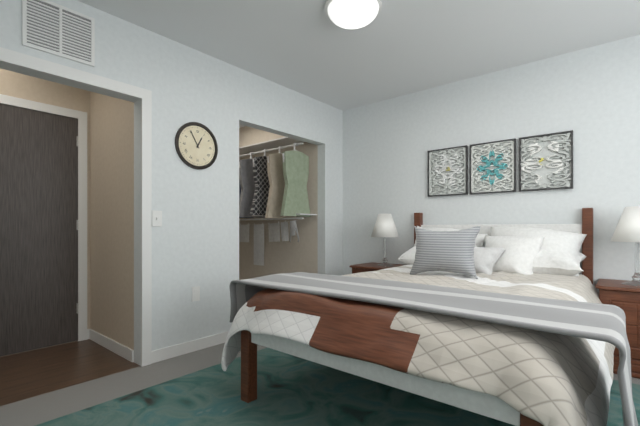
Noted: {"hour": 12, "minute": 55}
